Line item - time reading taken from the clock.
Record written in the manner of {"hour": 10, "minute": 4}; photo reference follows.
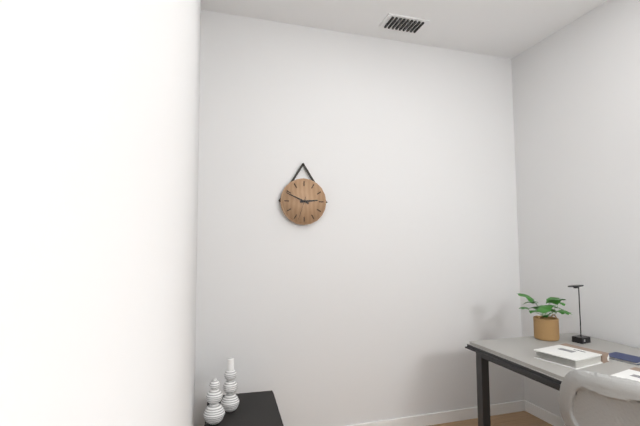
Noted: {"hour": 2, "minute": 49}
